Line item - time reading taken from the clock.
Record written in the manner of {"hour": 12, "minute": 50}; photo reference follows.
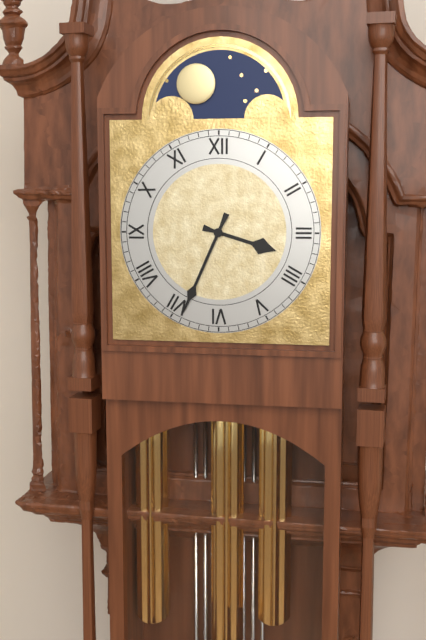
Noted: {"hour": 3, "minute": 34}
